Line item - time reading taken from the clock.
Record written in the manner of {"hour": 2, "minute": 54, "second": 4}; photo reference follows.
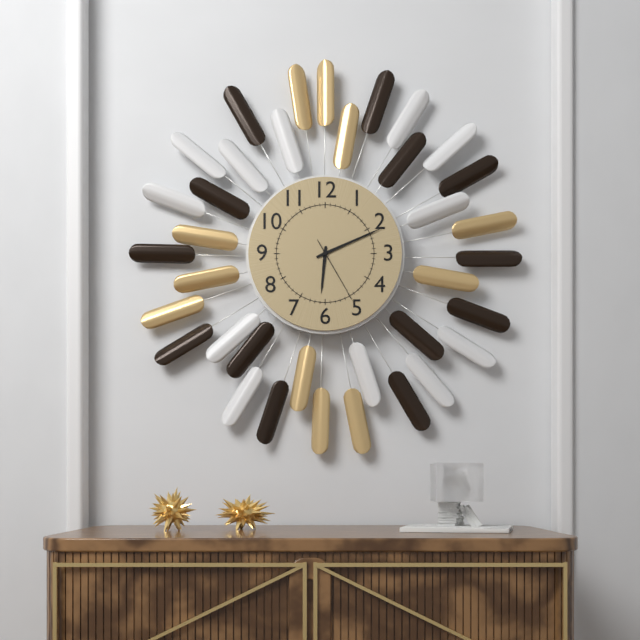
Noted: {"hour": 6, "minute": 11, "second": 25}
